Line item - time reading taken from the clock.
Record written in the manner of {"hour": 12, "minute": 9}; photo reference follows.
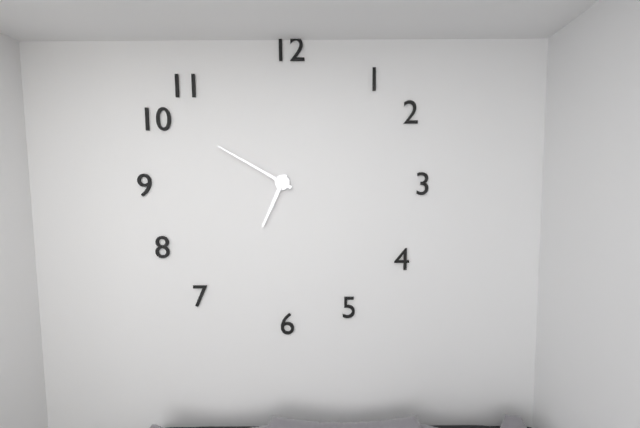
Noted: {"hour": 6, "minute": 50}
